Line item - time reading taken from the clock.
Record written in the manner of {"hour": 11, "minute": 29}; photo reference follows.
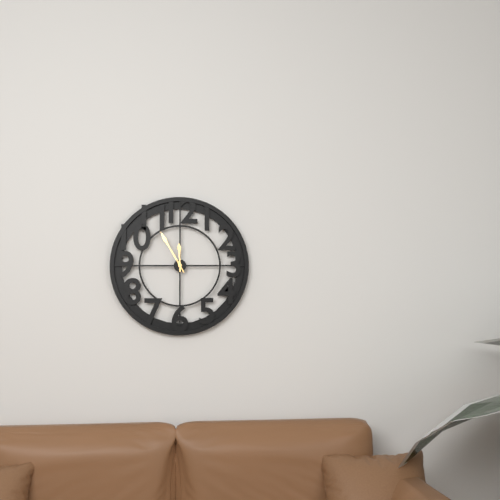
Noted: {"hour": 11, "minute": 55}
